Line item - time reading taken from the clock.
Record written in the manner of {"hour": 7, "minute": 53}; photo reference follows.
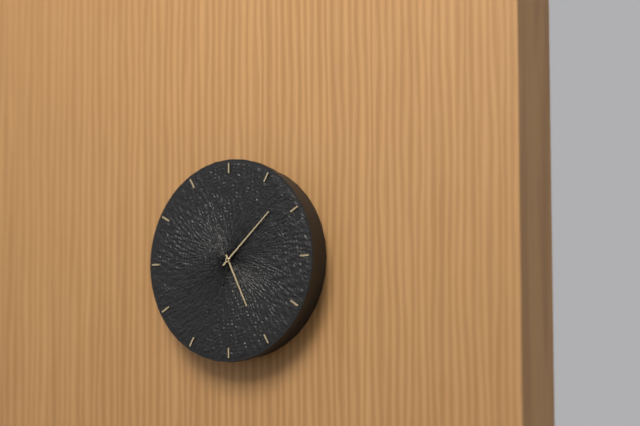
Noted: {"hour": 5, "minute": 8}
